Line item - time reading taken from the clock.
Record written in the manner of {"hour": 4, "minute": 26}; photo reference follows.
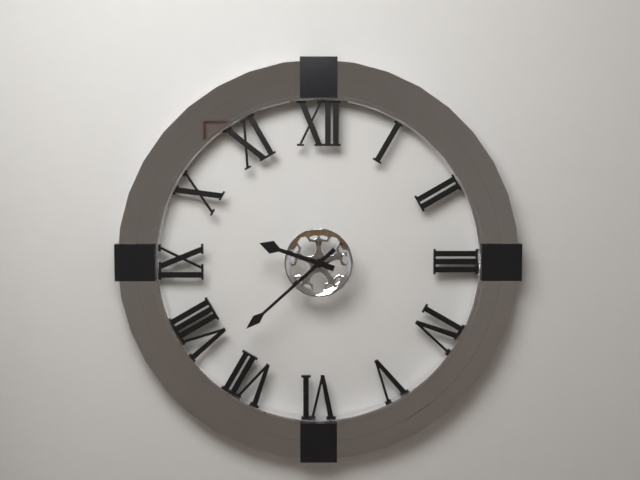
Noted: {"hour": 9, "minute": 38}
